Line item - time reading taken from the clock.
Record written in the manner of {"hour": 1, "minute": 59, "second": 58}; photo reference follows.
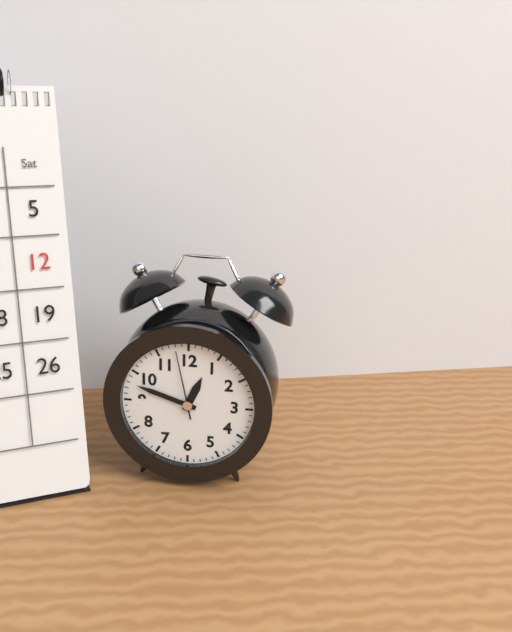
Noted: {"hour": 12, "minute": 48, "second": 58}
